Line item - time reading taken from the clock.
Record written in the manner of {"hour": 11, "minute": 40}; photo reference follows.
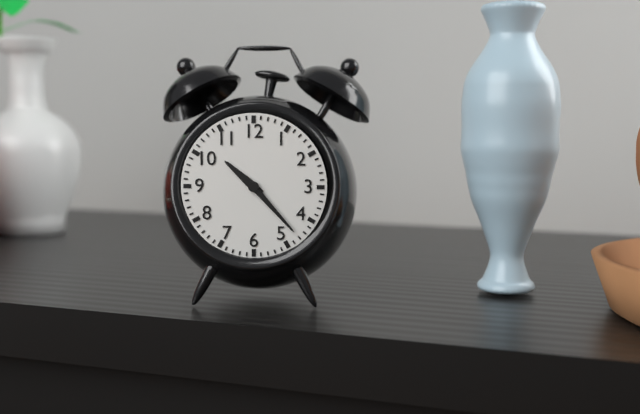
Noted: {"hour": 10, "minute": 23}
